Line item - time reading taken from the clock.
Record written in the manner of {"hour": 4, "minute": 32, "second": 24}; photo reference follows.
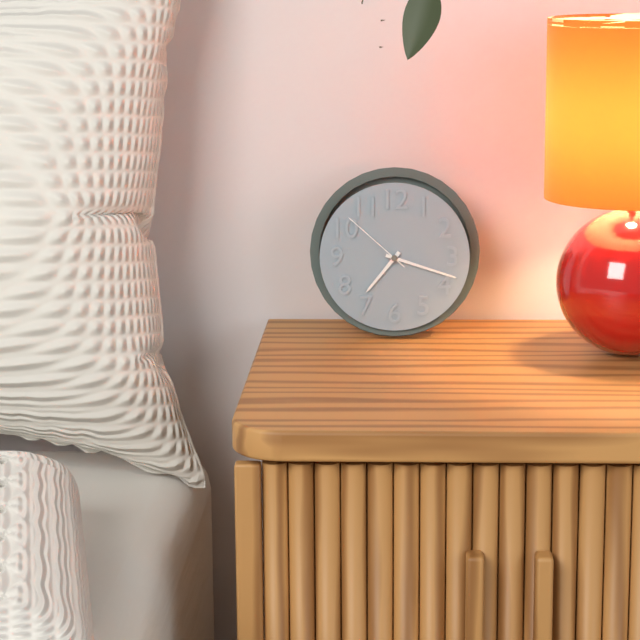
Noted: {"hour": 7, "minute": 18, "second": 52}
